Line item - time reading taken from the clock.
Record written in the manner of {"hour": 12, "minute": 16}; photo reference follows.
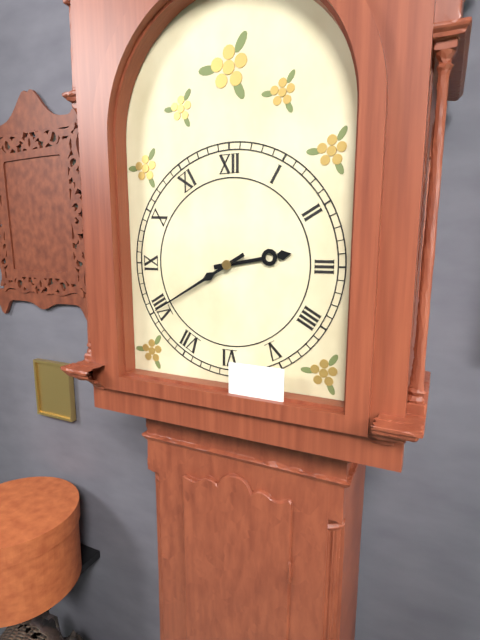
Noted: {"hour": 2, "minute": 40}
